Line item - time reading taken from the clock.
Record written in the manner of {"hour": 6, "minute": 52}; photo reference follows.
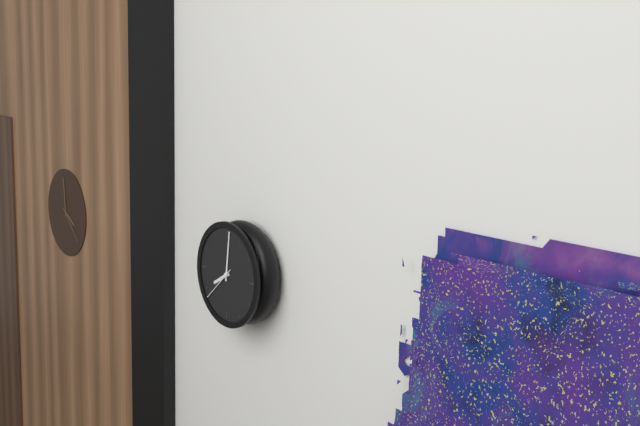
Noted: {"hour": 8, "minute": 1}
